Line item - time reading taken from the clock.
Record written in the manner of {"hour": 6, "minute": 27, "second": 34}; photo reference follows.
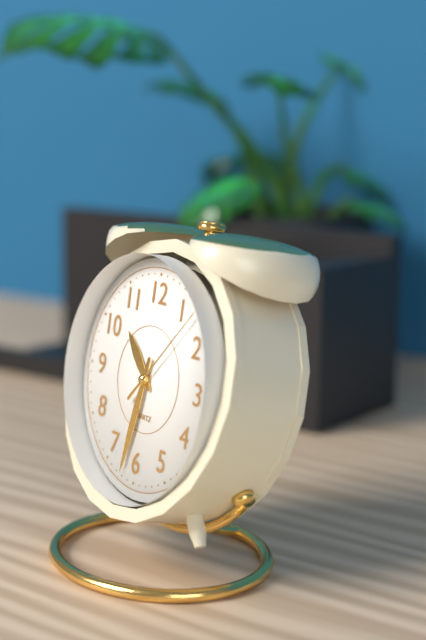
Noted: {"hour": 10, "minute": 32, "second": 7}
